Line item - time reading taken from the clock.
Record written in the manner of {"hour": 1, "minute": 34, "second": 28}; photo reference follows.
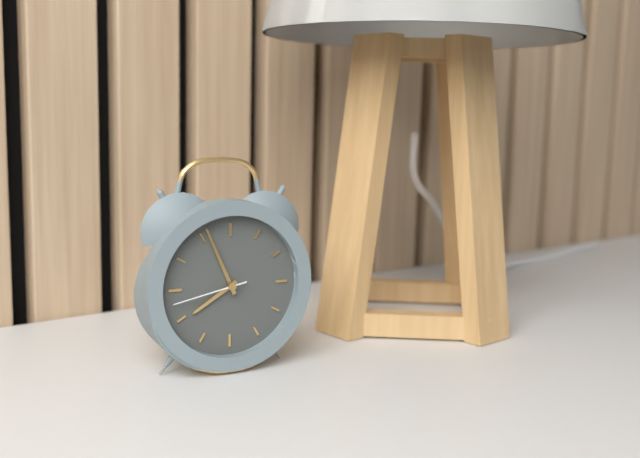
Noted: {"hour": 7, "minute": 56, "second": 43}
